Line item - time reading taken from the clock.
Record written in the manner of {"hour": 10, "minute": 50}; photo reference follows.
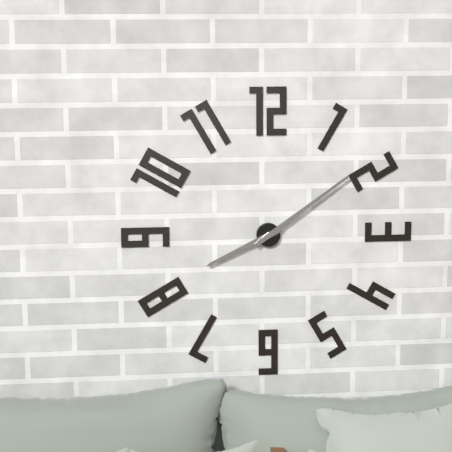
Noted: {"hour": 8, "minute": 9}
